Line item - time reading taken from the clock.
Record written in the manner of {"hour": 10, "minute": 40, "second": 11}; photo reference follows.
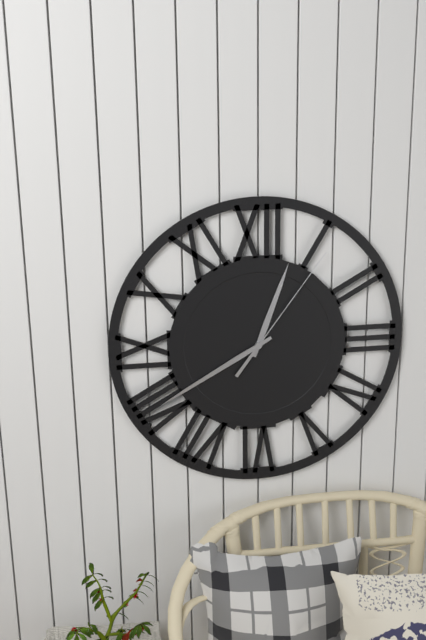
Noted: {"hour": 12, "minute": 40, "second": 6}
